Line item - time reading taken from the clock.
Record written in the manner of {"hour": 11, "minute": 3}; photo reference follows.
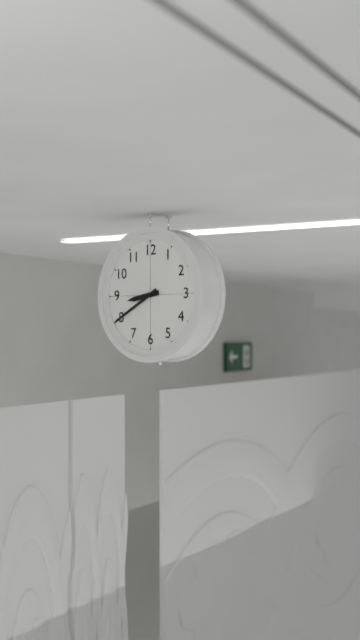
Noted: {"hour": 8, "minute": 40}
